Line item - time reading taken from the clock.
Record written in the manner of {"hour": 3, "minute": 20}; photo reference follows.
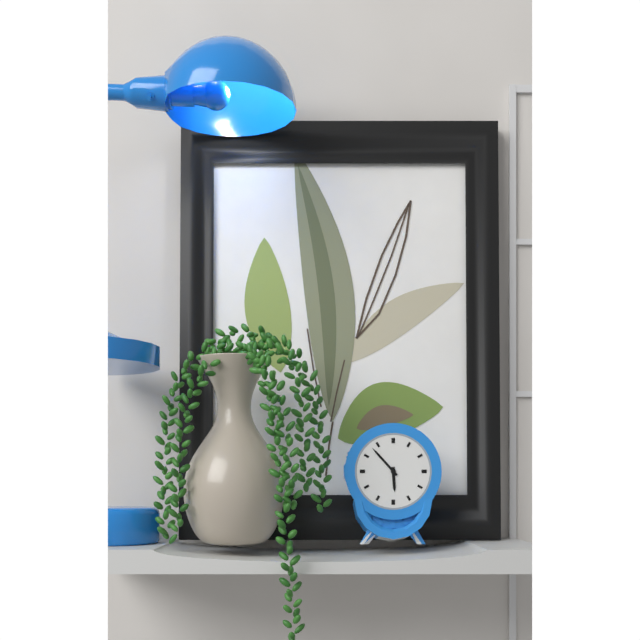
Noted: {"hour": 5, "minute": 53}
